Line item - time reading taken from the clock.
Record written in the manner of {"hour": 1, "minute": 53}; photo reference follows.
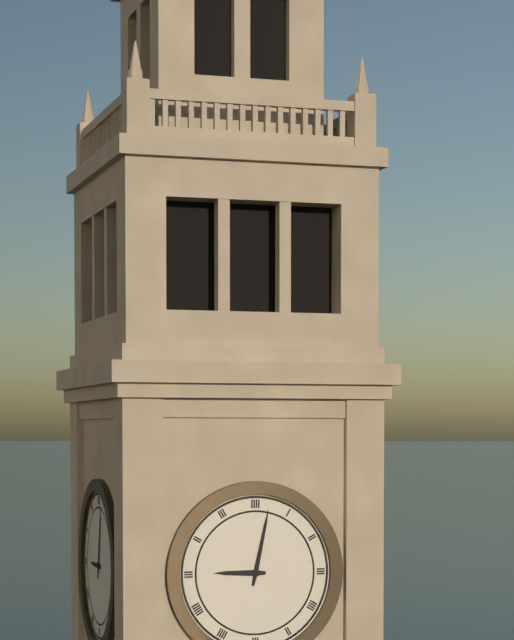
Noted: {"hour": 9, "minute": 2}
